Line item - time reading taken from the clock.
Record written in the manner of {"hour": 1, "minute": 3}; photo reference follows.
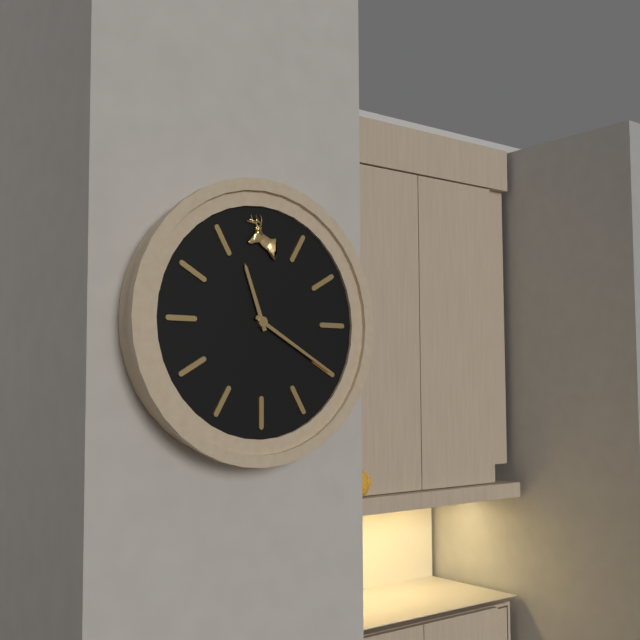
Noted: {"hour": 11, "minute": 20}
